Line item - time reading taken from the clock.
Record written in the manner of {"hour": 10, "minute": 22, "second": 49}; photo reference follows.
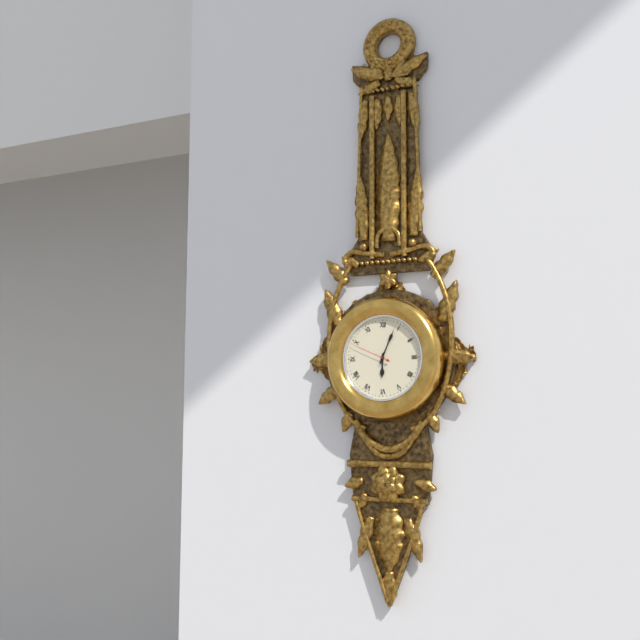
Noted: {"hour": 6, "minute": 4, "second": 49}
